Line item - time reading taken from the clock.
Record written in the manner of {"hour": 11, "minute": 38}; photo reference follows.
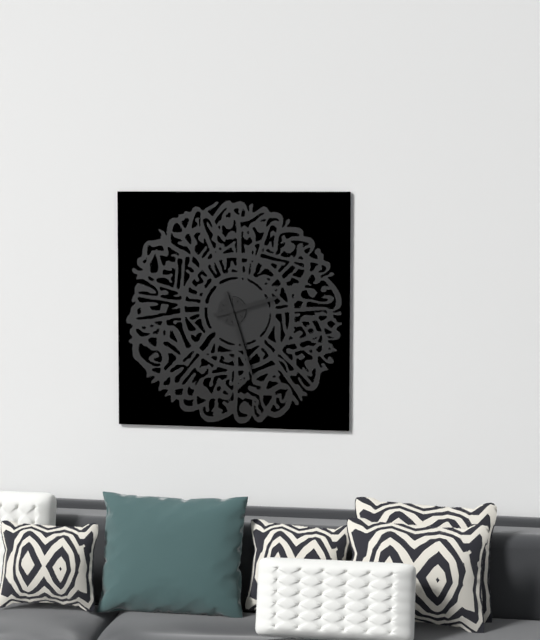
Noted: {"hour": 2, "minute": 27}
